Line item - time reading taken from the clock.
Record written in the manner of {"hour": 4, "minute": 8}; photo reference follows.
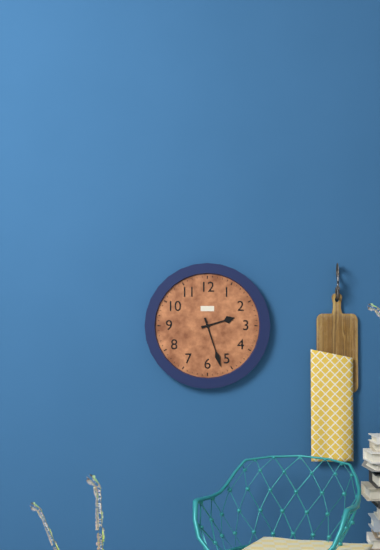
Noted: {"hour": 2, "minute": 27}
